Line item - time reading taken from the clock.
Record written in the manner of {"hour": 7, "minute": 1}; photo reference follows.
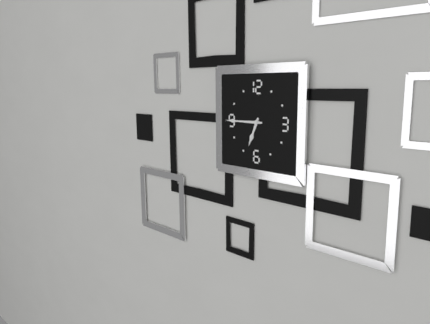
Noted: {"hour": 6, "minute": 45}
